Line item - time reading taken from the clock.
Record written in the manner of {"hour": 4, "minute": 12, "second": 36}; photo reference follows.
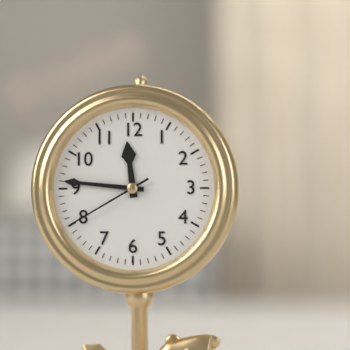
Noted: {"hour": 11, "minute": 46, "second": 40}
